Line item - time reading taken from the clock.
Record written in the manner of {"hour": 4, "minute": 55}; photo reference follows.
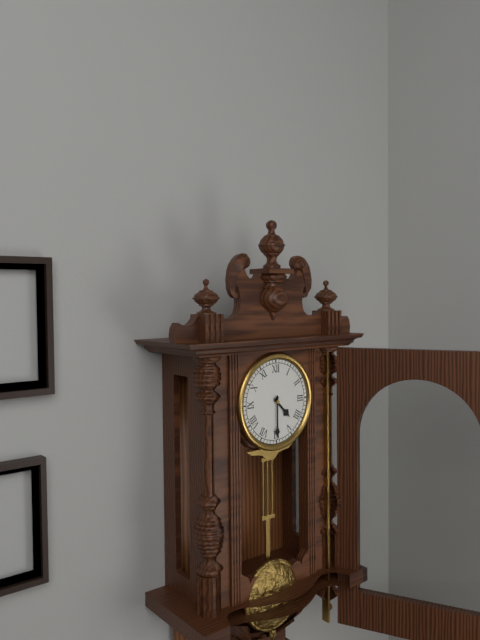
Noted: {"hour": 4, "minute": 30}
